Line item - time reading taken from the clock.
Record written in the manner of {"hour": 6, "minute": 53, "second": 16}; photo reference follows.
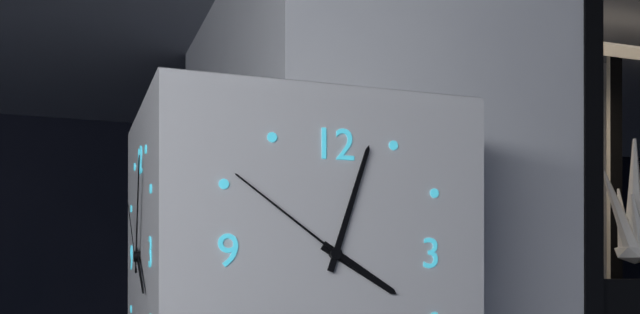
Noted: {"hour": 4, "minute": 3, "second": 51}
